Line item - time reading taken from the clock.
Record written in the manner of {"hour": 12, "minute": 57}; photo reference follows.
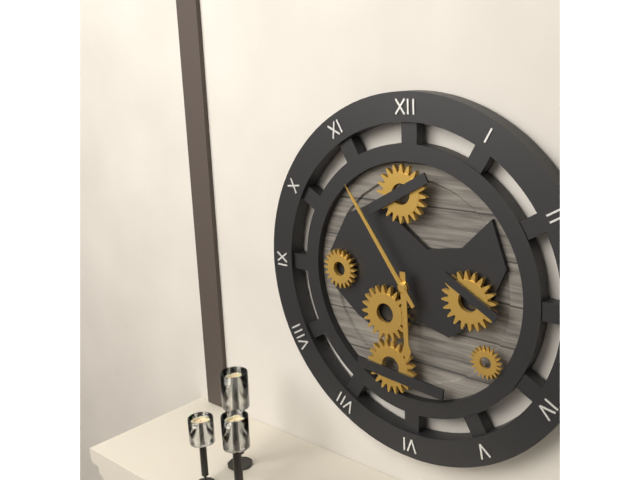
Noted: {"hour": 5, "minute": 54}
